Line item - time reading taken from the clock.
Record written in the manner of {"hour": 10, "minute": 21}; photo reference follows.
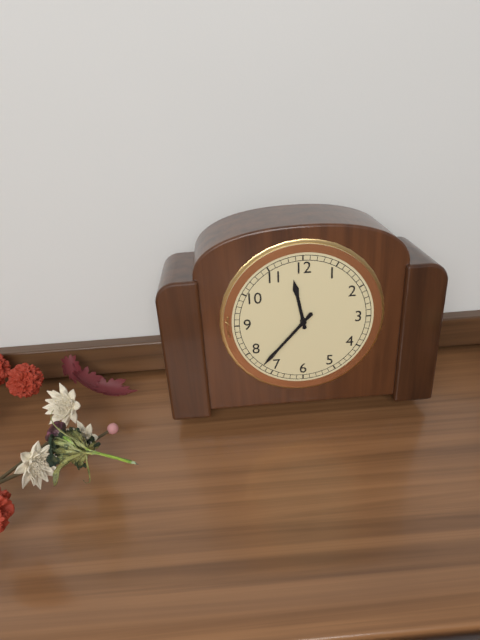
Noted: {"hour": 11, "minute": 37}
